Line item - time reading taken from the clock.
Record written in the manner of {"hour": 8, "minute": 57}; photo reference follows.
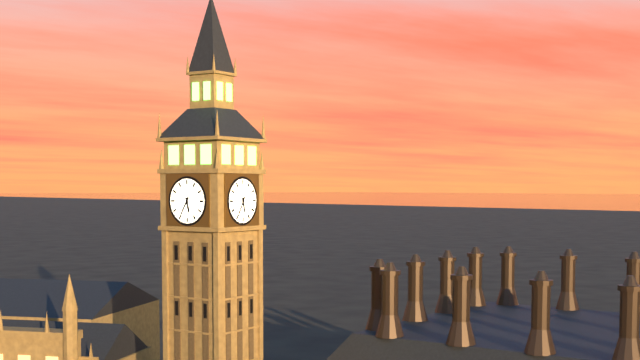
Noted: {"hour": 5, "minute": 35}
